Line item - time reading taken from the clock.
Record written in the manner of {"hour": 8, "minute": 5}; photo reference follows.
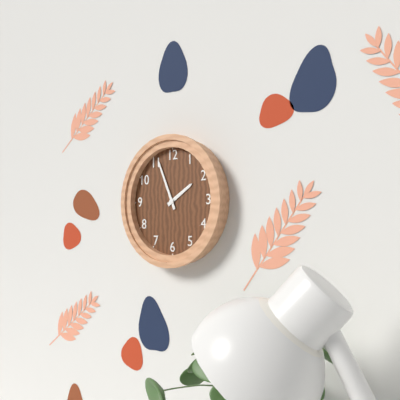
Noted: {"hour": 1, "minute": 56}
